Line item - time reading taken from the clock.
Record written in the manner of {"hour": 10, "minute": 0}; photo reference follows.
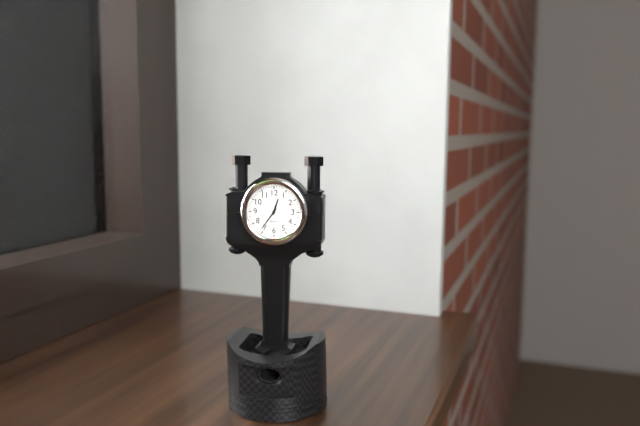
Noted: {"hour": 12, "minute": 36}
